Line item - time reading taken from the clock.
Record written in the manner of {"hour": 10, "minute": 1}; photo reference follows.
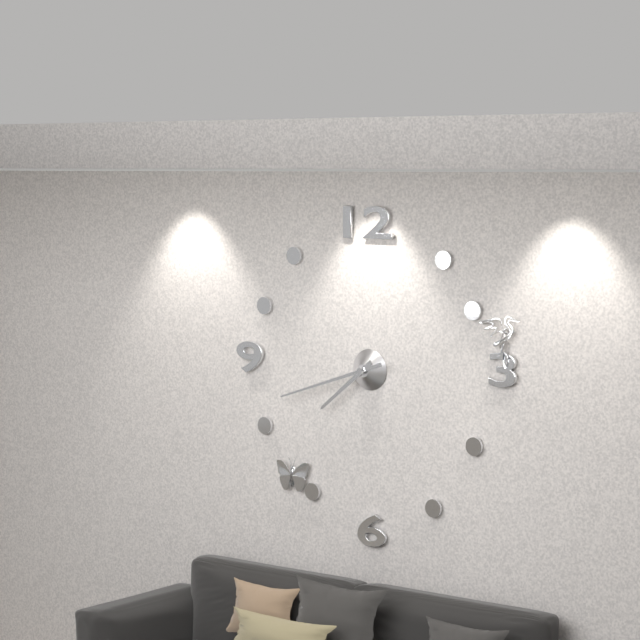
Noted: {"hour": 7, "minute": 42}
